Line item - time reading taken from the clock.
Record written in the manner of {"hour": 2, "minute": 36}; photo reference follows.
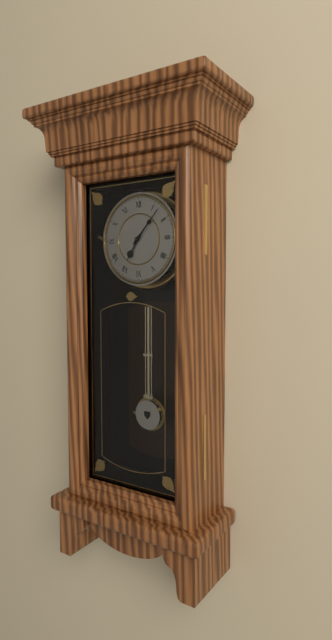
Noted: {"hour": 7, "minute": 7}
